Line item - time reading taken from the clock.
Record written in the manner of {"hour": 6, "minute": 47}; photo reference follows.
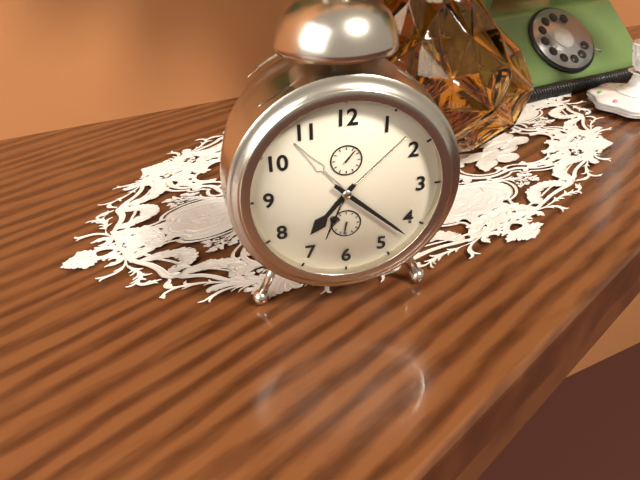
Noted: {"hour": 7, "minute": 22}
